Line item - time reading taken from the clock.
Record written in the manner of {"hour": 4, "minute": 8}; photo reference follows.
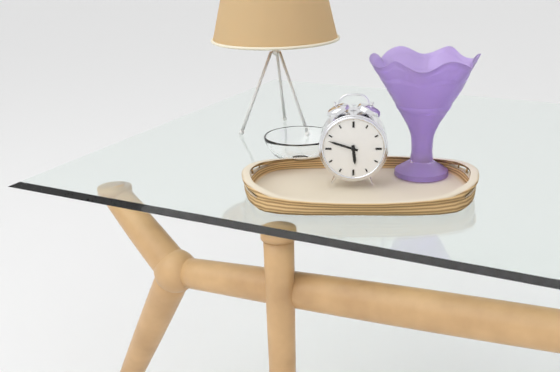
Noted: {"hour": 5, "minute": 48}
